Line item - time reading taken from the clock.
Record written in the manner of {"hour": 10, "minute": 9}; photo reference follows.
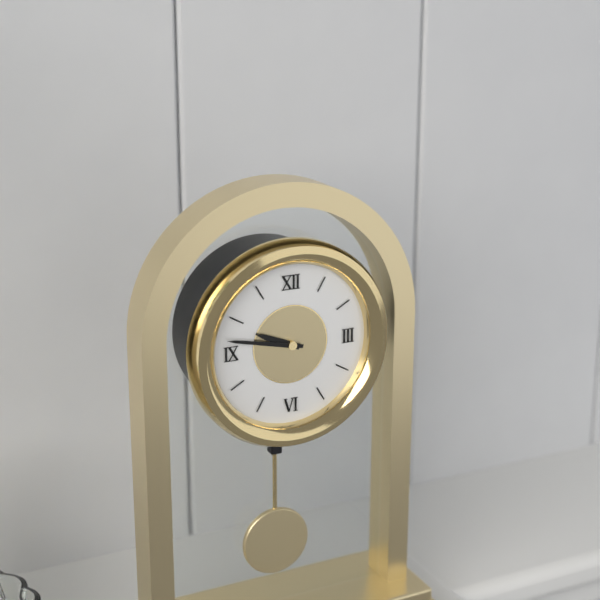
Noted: {"hour": 9, "minute": 47}
